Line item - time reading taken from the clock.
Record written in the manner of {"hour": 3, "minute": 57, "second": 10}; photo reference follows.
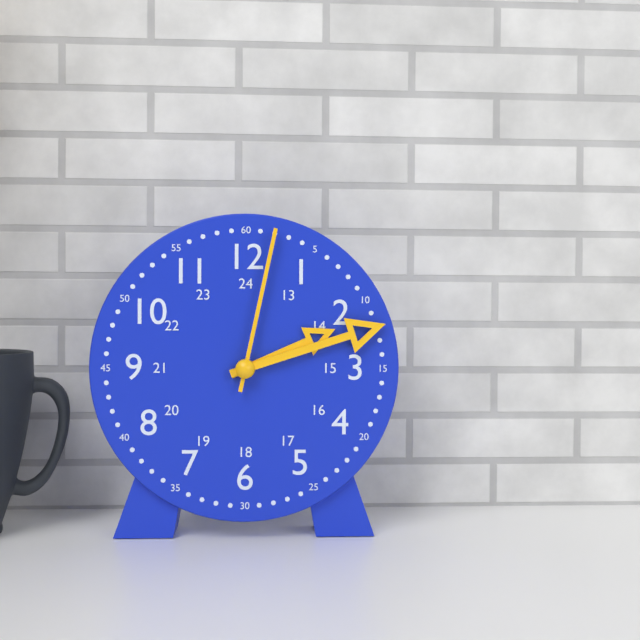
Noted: {"hour": 2, "minute": 12, "second": 2}
